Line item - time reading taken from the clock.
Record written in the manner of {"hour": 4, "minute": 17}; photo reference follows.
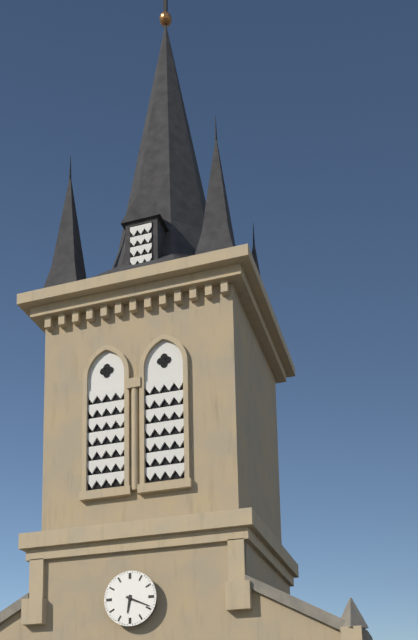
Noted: {"hour": 6, "minute": 19}
